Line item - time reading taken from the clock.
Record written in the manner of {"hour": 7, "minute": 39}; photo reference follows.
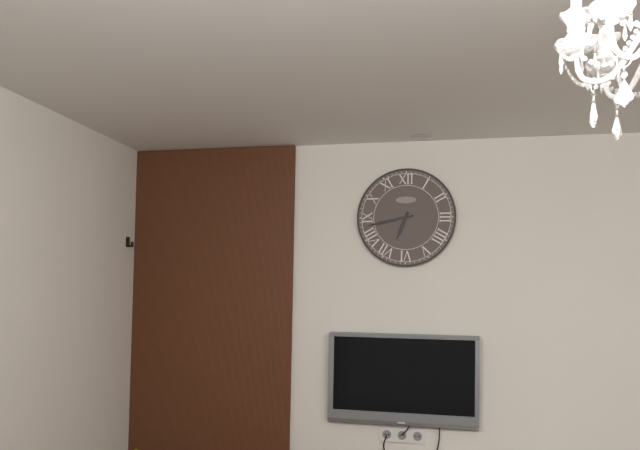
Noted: {"hour": 6, "minute": 43}
